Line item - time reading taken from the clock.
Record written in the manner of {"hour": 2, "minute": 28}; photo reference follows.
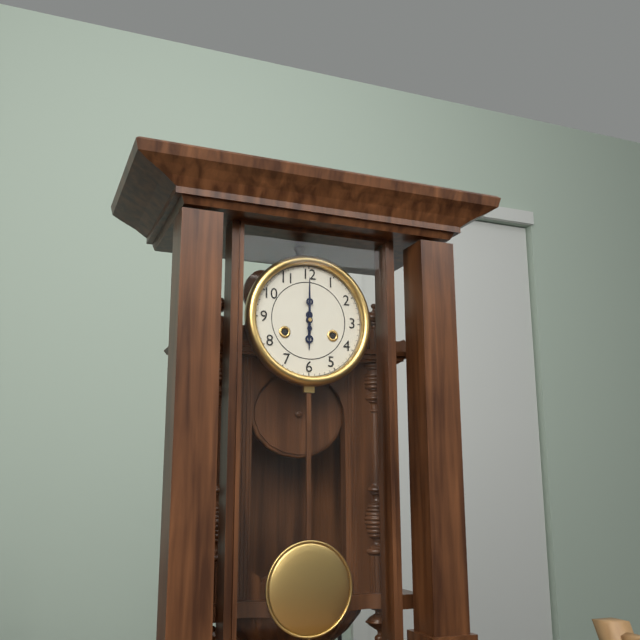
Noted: {"hour": 6, "minute": 0}
